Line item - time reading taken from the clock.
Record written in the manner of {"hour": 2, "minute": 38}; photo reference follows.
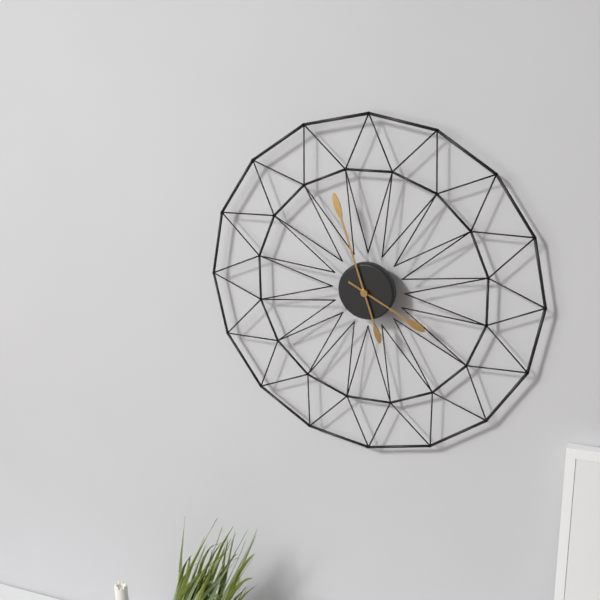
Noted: {"hour": 3, "minute": 57}
